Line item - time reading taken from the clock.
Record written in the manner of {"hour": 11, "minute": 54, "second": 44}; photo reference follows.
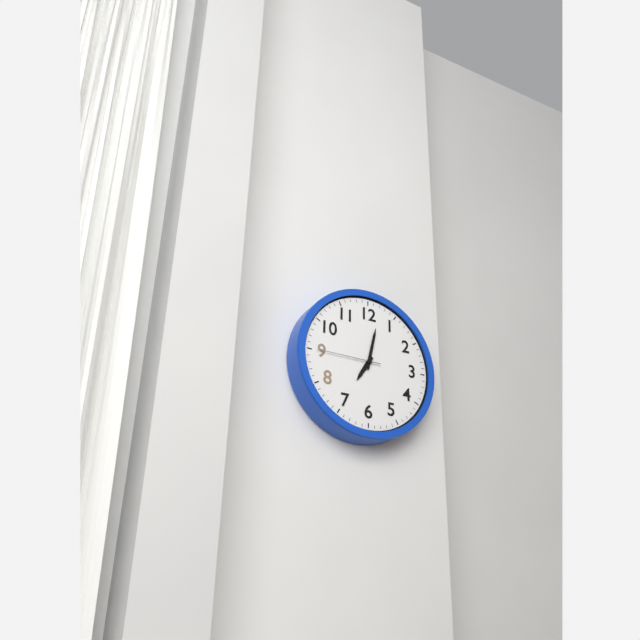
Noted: {"hour": 7, "minute": 2, "second": 45}
